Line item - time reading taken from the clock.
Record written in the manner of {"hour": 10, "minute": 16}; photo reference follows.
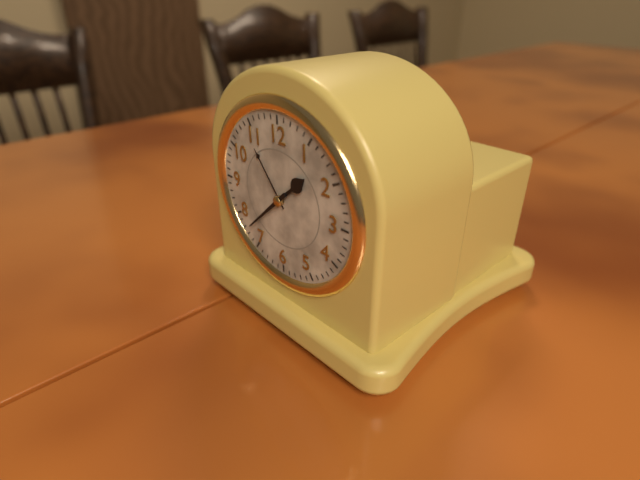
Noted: {"hour": 1, "minute": 38}
